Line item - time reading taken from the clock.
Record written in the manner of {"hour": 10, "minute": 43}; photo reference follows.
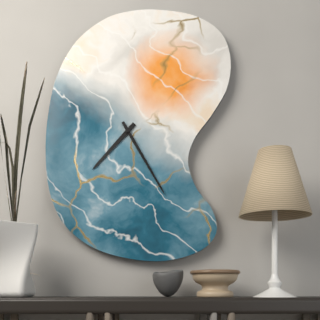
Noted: {"hour": 7, "minute": 25}
